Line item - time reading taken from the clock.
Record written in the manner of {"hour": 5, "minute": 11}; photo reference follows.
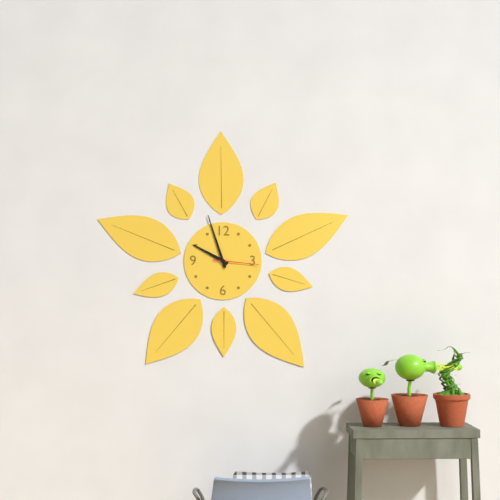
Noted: {"hour": 9, "minute": 57}
